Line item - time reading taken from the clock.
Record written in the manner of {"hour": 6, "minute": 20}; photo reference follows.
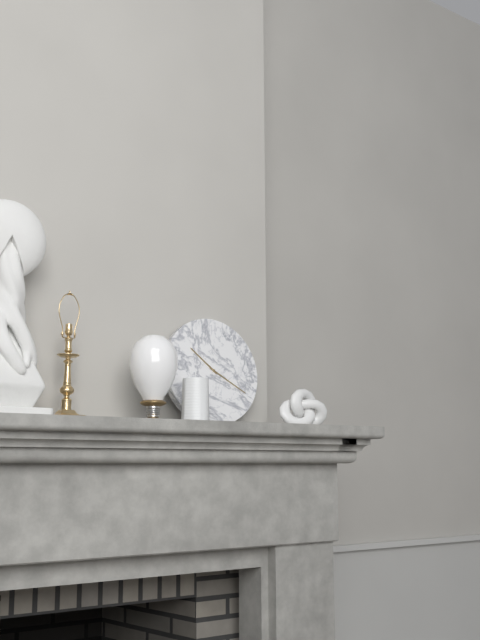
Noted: {"hour": 10, "minute": 20}
